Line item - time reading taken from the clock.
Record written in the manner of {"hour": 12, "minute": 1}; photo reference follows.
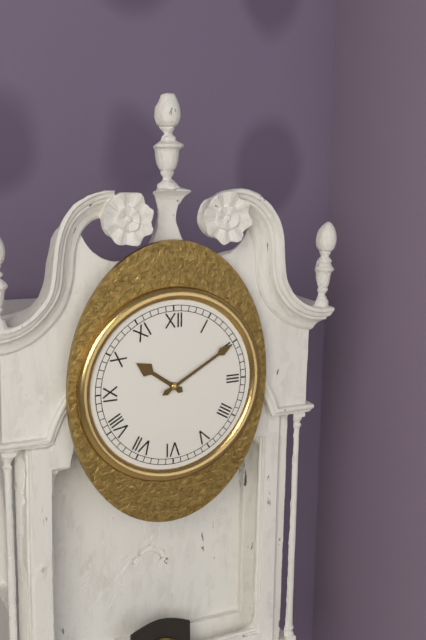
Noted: {"hour": 10, "minute": 10}
